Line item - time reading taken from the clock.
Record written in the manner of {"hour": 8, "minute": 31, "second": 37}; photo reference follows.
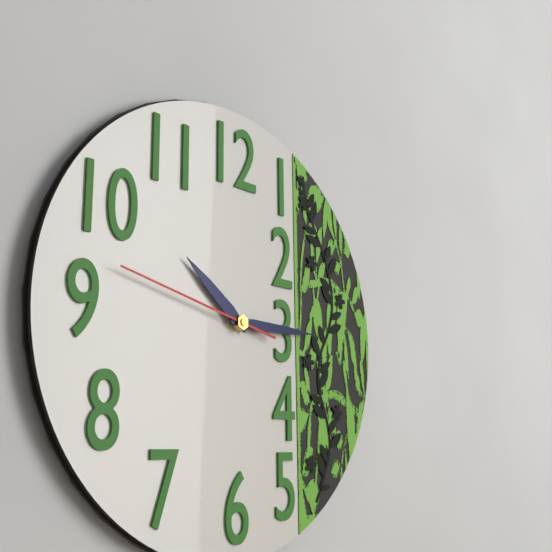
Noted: {"hour": 10, "minute": 15, "second": 47}
